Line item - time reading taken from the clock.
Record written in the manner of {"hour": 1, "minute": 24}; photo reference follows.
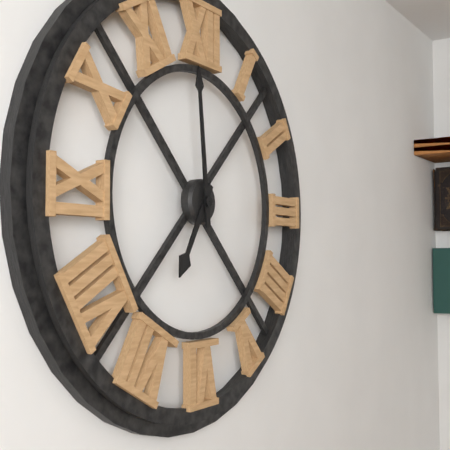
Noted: {"hour": 6, "minute": 59}
